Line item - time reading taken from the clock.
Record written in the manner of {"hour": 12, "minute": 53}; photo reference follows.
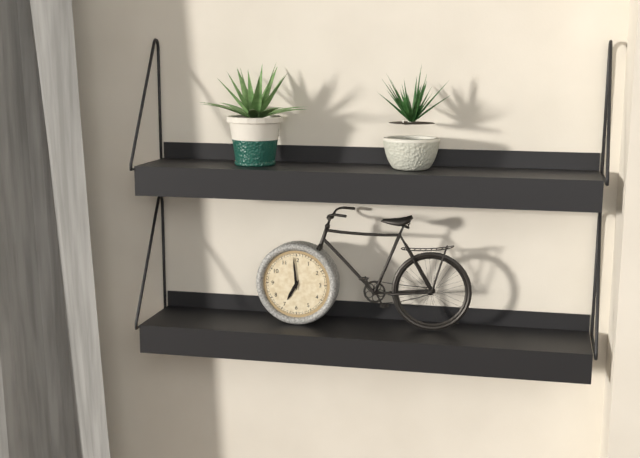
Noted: {"hour": 6, "minute": 59}
